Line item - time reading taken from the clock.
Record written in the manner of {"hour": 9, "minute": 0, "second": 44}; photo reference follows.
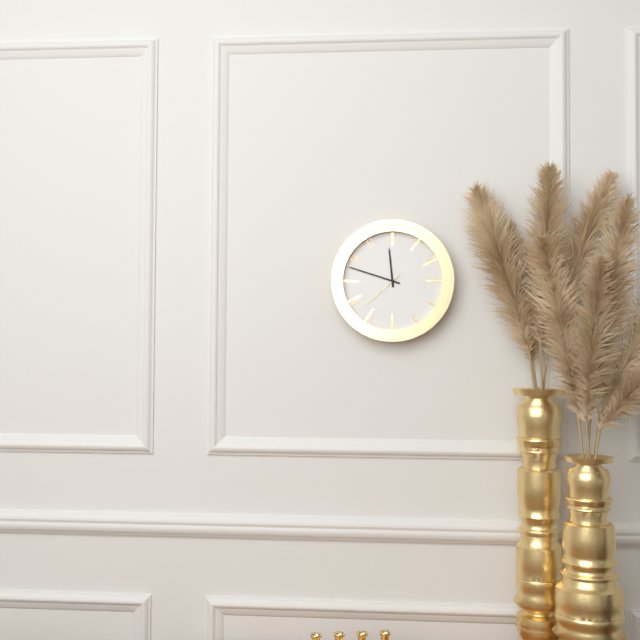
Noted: {"hour": 11, "minute": 48, "second": 38}
